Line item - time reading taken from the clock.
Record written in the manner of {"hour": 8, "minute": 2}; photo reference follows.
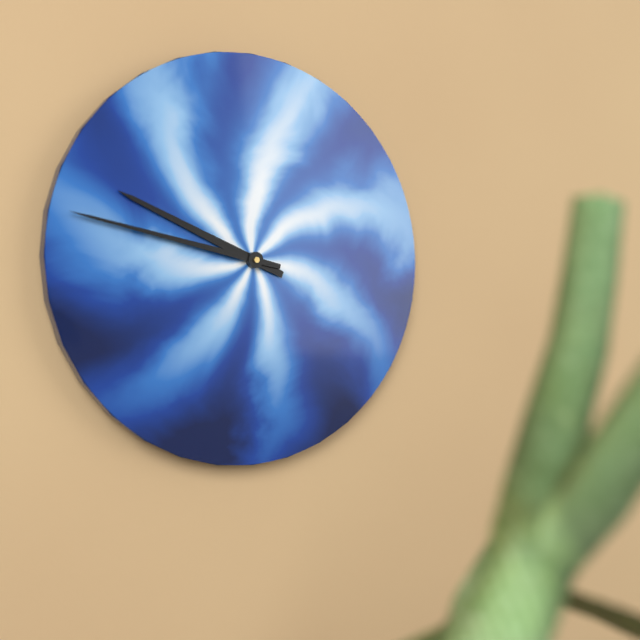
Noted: {"hour": 9, "minute": 47}
